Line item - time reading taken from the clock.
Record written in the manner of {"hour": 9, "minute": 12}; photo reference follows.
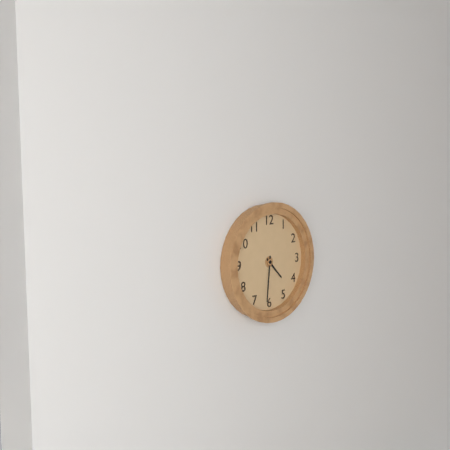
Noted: {"hour": 4, "minute": 31}
